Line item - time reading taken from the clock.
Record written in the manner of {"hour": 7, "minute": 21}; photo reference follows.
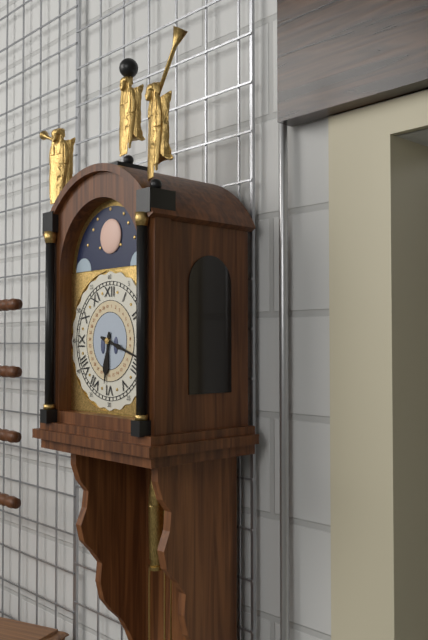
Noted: {"hour": 6, "minute": 18}
